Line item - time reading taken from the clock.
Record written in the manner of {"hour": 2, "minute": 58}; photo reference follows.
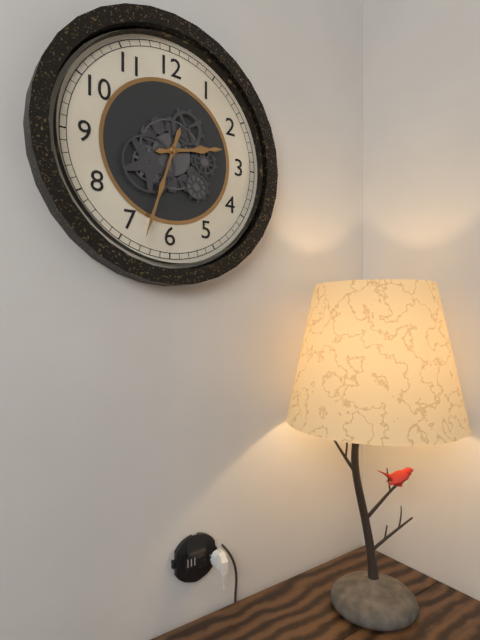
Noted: {"hour": 2, "minute": 33}
